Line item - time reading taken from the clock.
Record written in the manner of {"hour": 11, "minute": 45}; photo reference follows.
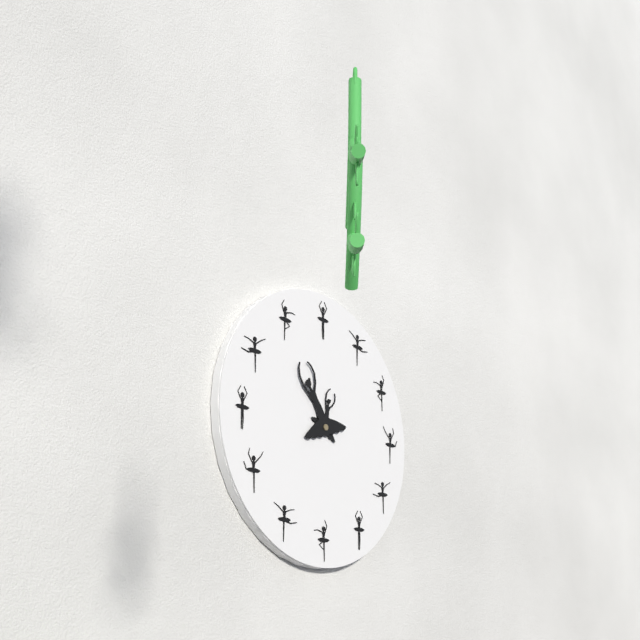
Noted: {"hour": 12, "minute": 57}
